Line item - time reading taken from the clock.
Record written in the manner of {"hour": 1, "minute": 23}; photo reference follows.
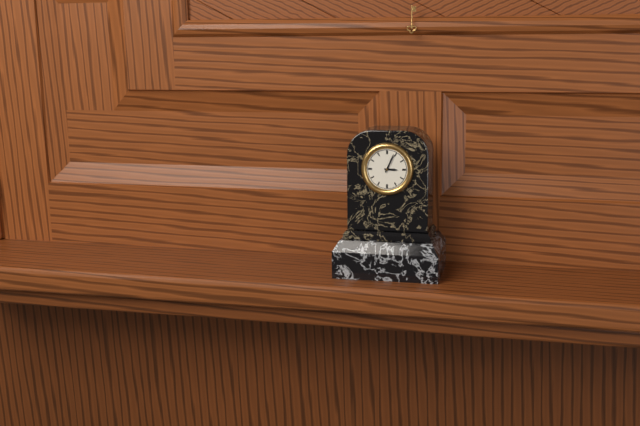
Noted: {"hour": 3, "minute": 4}
